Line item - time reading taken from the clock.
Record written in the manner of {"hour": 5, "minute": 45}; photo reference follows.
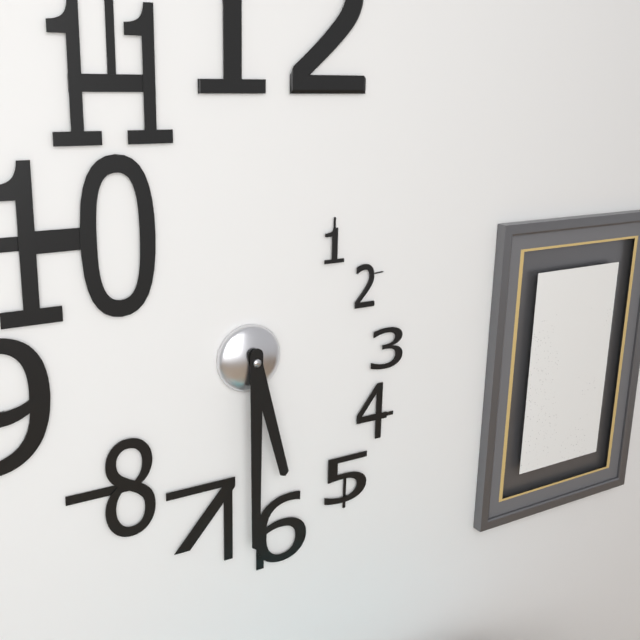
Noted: {"hour": 5, "minute": 30}
